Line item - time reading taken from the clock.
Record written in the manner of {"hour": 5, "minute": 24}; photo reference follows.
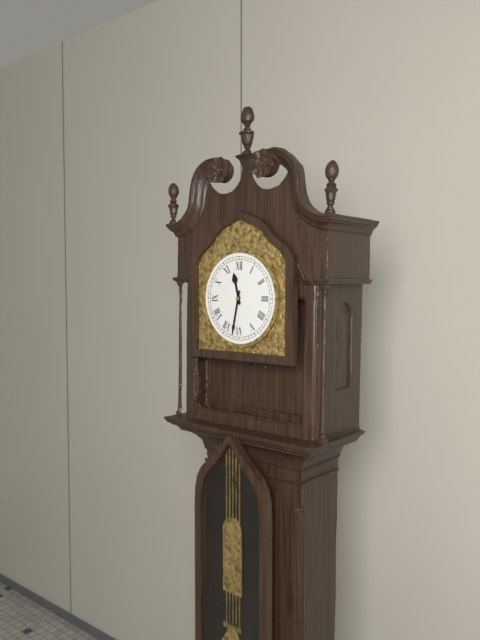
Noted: {"hour": 11, "minute": 32}
